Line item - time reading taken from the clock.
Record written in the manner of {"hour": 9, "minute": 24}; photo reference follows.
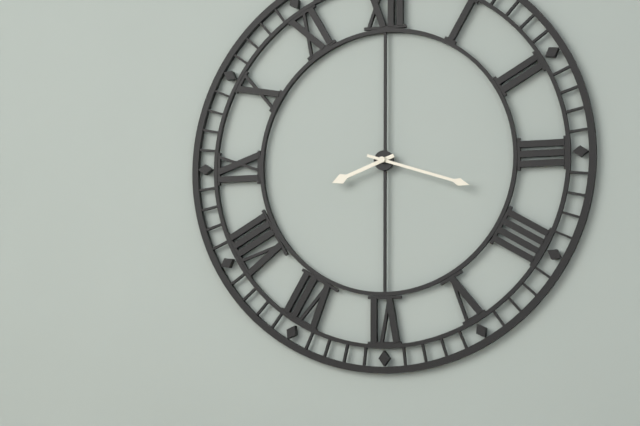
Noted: {"hour": 8, "minute": 18}
